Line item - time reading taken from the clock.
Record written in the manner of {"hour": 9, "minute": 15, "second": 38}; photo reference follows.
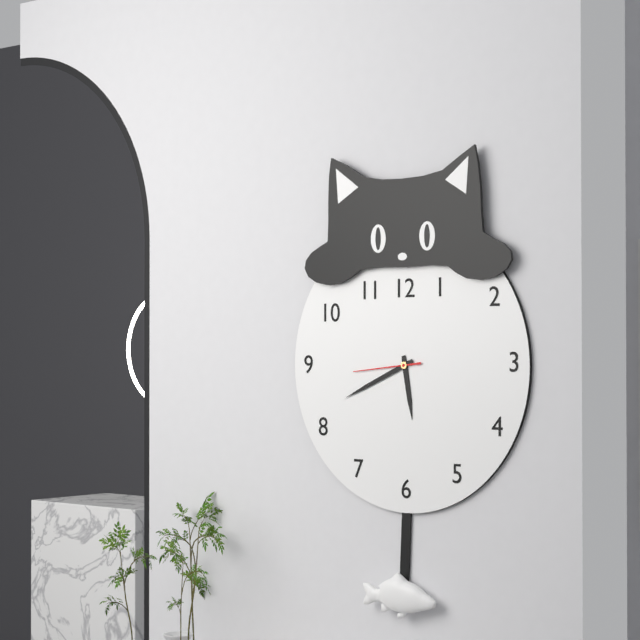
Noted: {"hour": 5, "minute": 41, "second": 44}
